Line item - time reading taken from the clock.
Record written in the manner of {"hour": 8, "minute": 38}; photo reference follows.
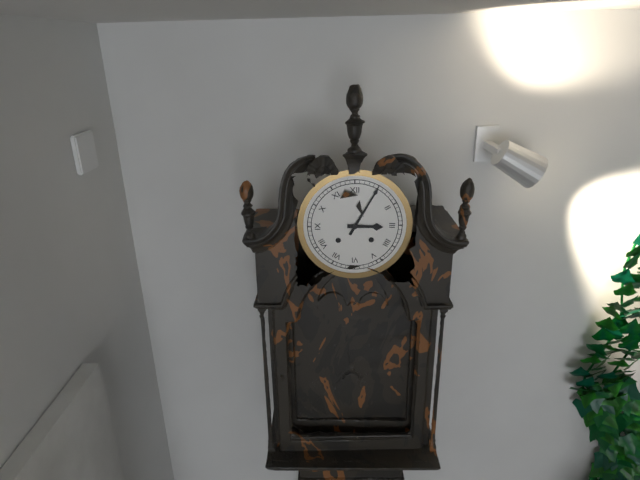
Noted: {"hour": 3, "minute": 5}
